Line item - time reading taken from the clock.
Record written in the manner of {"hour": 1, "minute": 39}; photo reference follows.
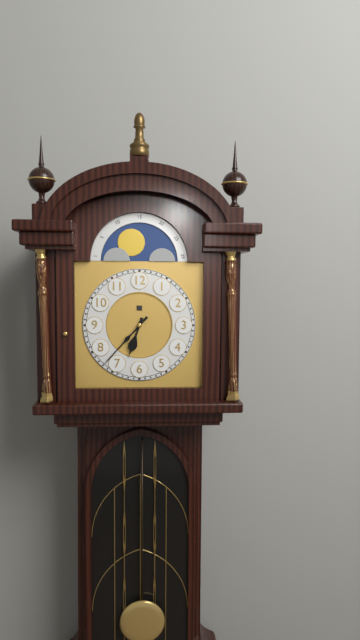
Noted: {"hour": 6, "minute": 37}
